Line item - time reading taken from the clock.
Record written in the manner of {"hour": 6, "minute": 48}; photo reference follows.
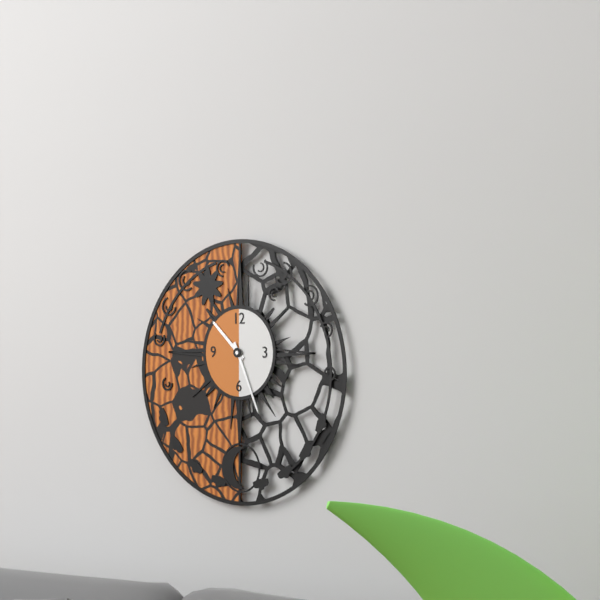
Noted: {"hour": 10, "minute": 26}
